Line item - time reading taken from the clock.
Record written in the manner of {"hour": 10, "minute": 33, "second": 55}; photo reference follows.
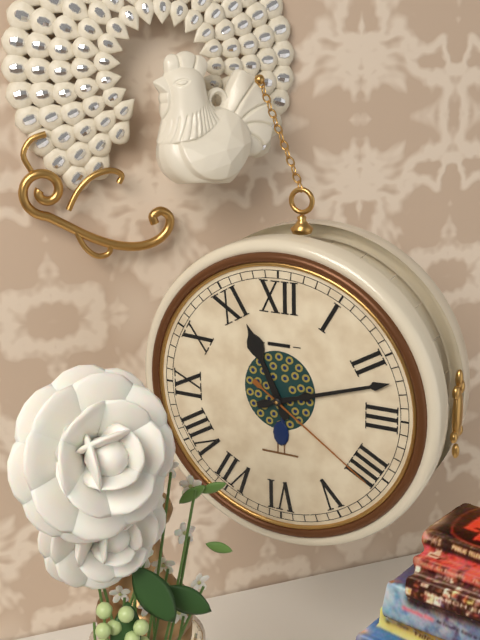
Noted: {"hour": 11, "minute": 12, "second": 21}
